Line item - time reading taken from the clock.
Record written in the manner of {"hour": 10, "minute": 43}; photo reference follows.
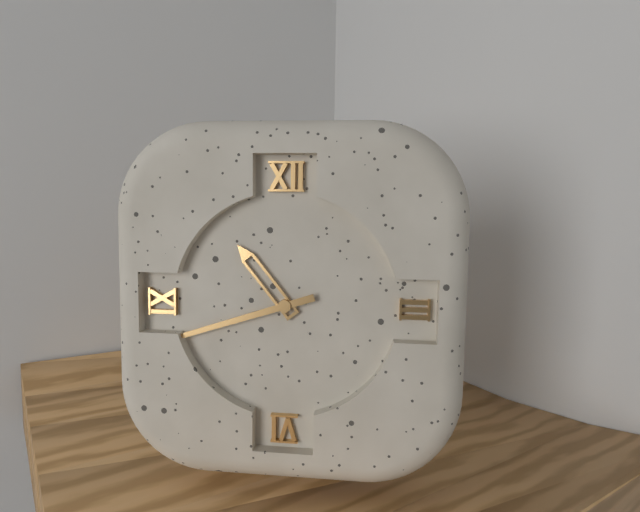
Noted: {"hour": 10, "minute": 42}
